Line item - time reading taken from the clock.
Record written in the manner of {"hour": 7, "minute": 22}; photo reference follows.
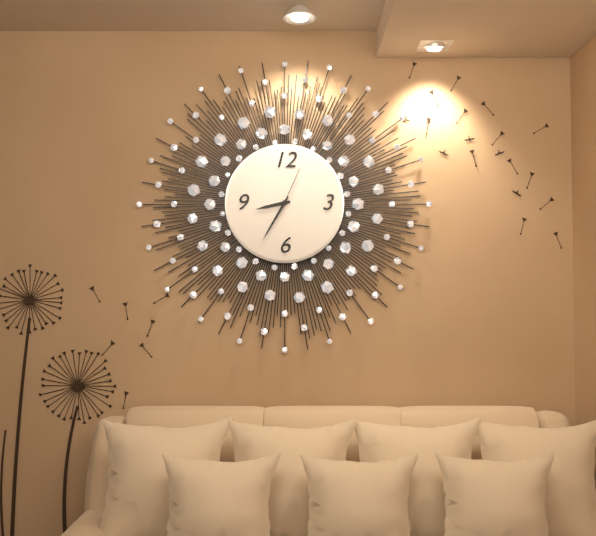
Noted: {"hour": 8, "minute": 35}
